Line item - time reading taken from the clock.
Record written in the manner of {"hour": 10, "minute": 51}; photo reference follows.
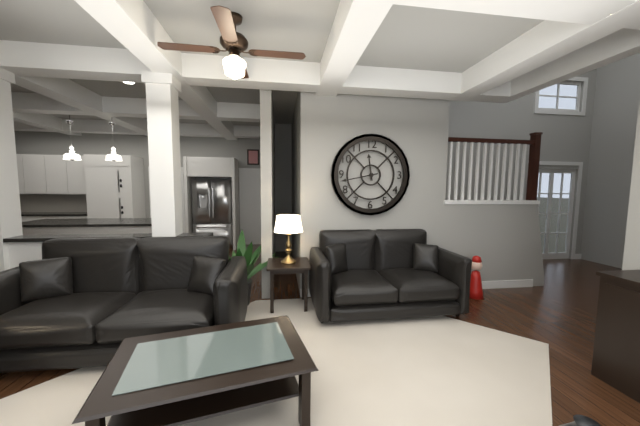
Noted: {"hour": 11, "minute": 43}
